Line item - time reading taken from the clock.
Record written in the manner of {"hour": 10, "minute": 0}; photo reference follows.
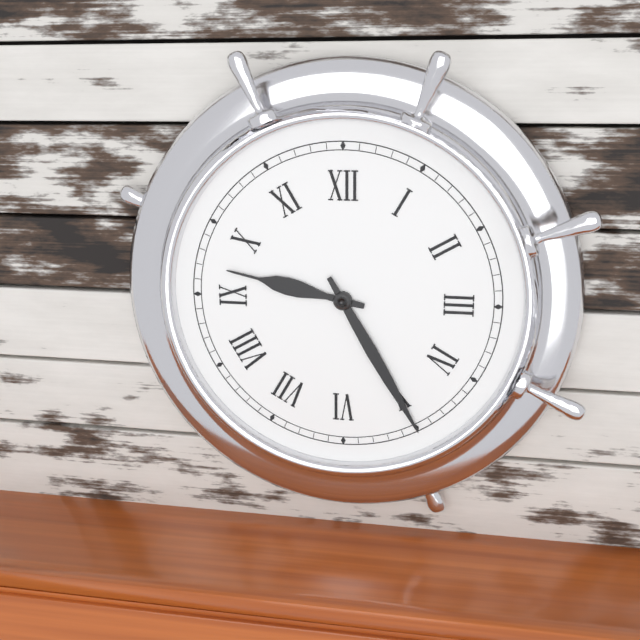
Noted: {"hour": 9, "minute": 25}
